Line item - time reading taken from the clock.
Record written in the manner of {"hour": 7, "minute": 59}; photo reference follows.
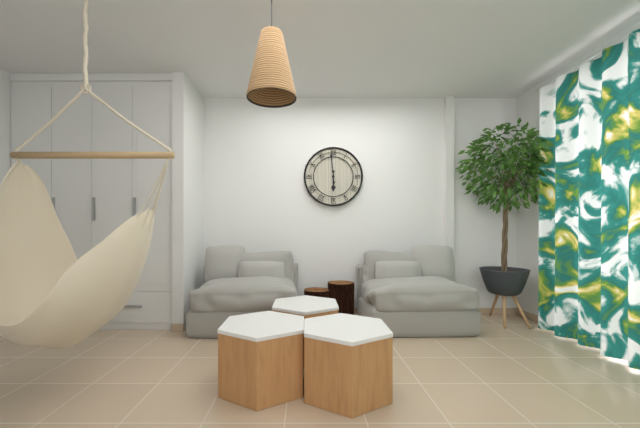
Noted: {"hour": 5, "minute": 59}
